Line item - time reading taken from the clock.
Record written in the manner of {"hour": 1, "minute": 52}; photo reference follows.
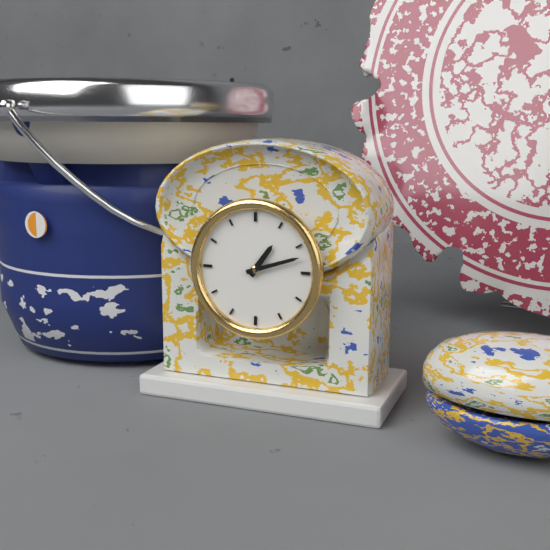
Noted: {"hour": 1, "minute": 12}
